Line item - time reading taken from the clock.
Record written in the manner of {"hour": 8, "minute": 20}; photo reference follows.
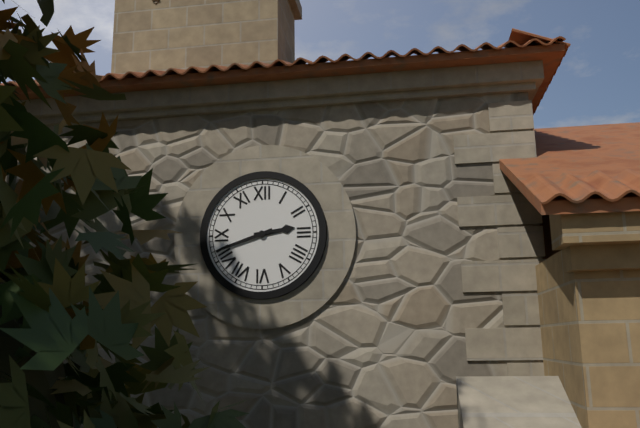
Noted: {"hour": 2, "minute": 42}
